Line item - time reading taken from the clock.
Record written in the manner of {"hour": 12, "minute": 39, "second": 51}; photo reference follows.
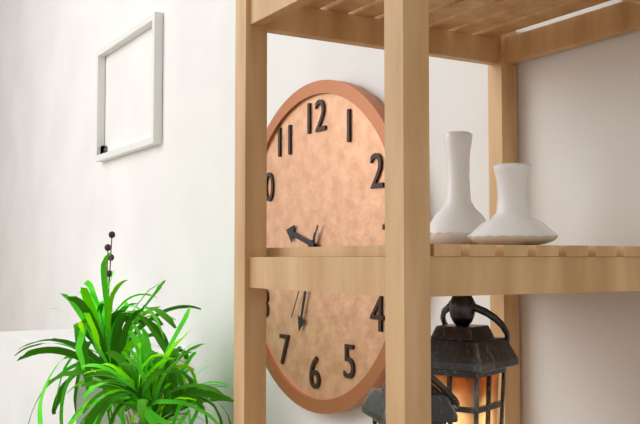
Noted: {"hour": 9, "minute": 33, "second": 35}
